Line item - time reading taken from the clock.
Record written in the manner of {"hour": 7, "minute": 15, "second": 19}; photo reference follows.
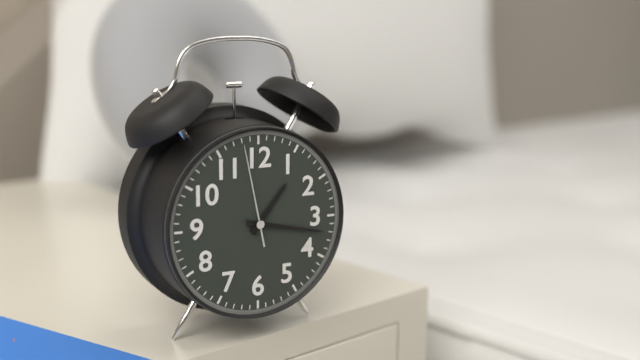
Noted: {"hour": 1, "minute": 17, "second": 58}
